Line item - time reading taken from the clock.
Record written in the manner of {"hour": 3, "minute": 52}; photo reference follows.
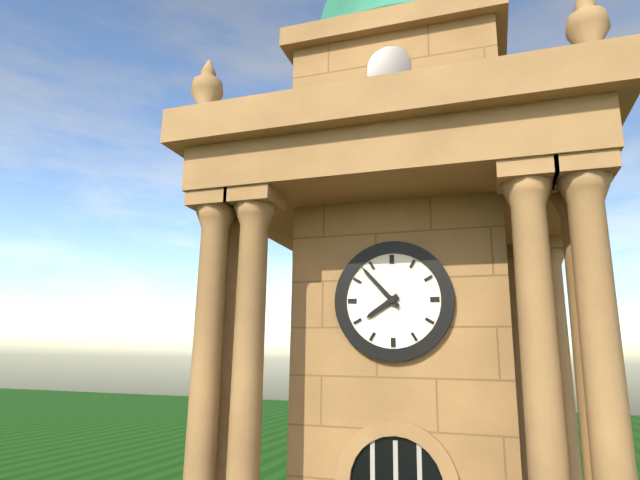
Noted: {"hour": 7, "minute": 53}
